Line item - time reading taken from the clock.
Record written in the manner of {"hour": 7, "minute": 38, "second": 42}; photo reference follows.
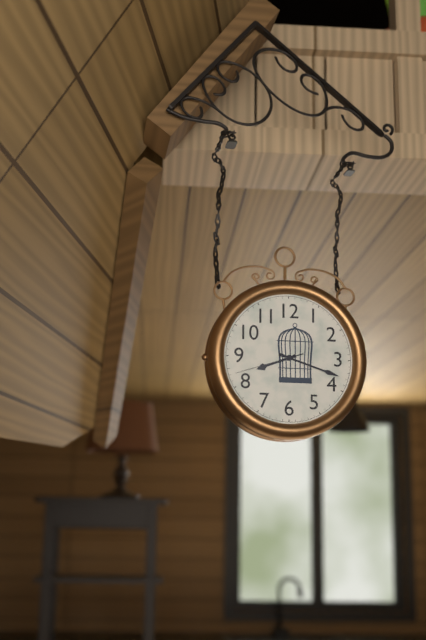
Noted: {"hour": 8, "minute": 18, "second": 42}
